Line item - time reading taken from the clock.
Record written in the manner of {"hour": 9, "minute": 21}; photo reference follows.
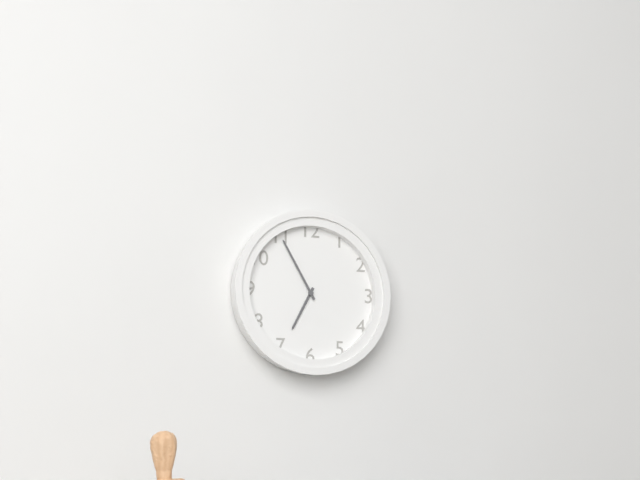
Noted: {"hour": 6, "minute": 55}
